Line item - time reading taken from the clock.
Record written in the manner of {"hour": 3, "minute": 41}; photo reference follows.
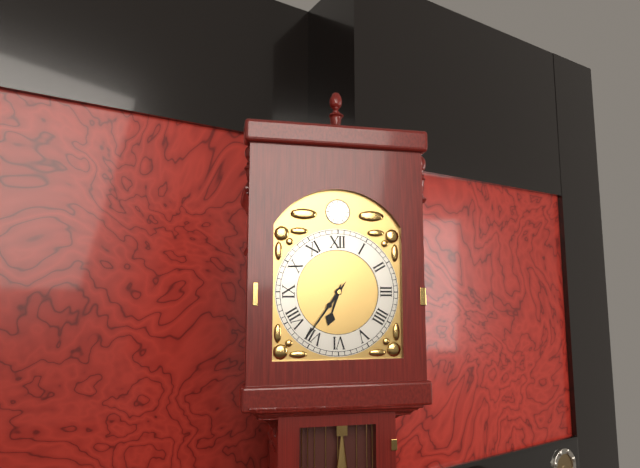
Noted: {"hour": 6, "minute": 36}
